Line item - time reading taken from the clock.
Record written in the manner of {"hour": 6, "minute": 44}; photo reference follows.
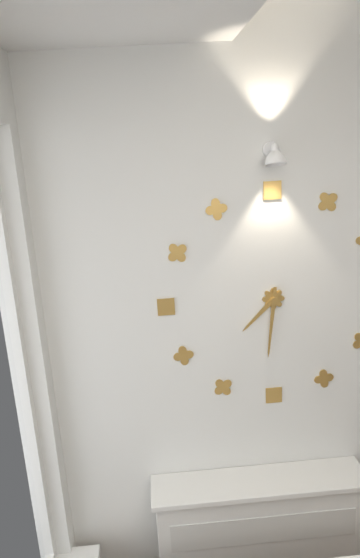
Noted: {"hour": 7, "minute": 31}
